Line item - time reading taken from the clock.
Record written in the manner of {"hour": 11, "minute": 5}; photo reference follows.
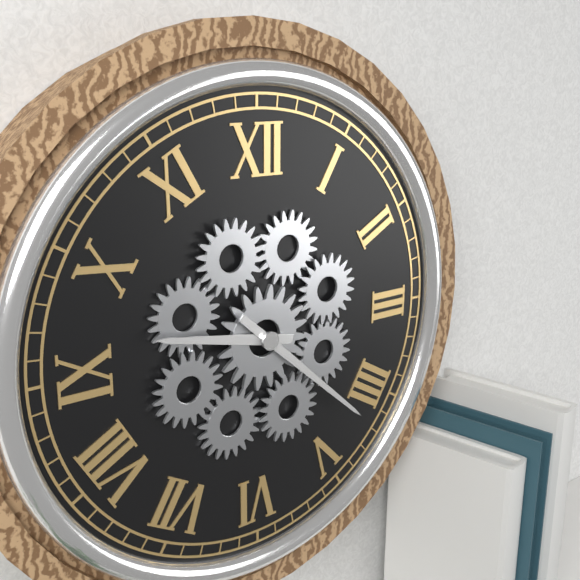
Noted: {"hour": 9, "minute": 22}
